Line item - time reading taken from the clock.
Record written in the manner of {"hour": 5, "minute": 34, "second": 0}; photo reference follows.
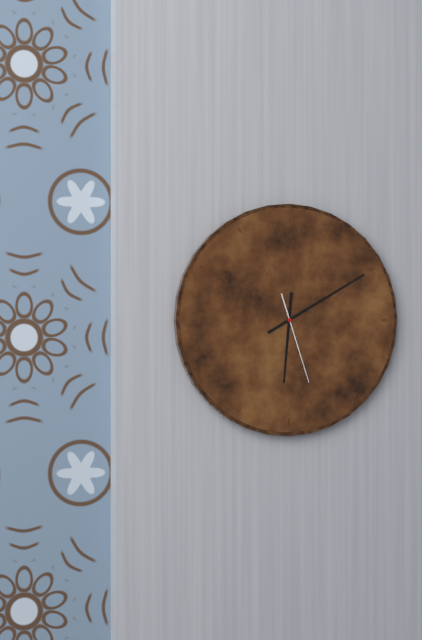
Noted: {"hour": 6, "minute": 10, "second": 27}
